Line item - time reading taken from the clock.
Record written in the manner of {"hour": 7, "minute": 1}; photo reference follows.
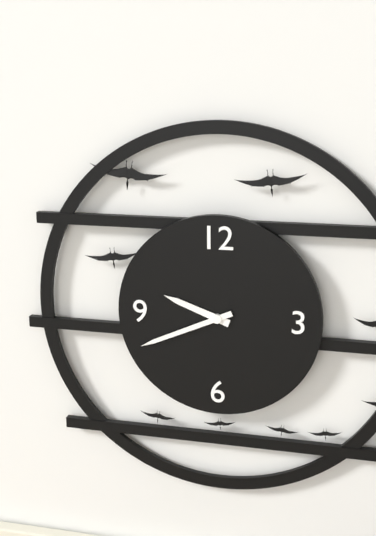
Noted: {"hour": 9, "minute": 41}
